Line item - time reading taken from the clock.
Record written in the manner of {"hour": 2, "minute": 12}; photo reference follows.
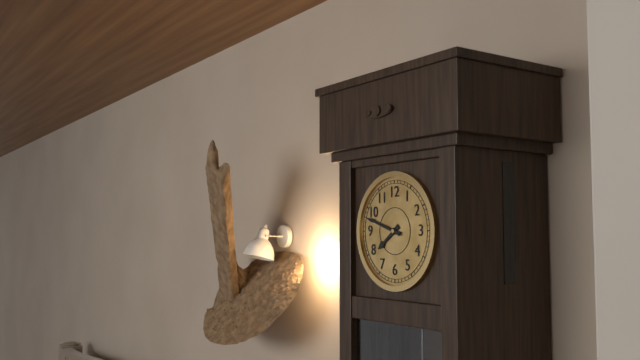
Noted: {"hour": 7, "minute": 48}
